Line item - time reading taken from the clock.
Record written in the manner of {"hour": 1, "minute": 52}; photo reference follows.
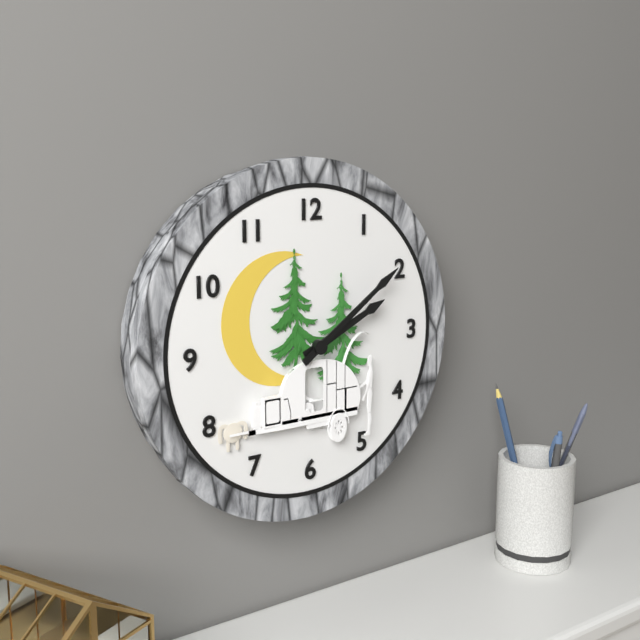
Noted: {"hour": 2, "minute": 9}
